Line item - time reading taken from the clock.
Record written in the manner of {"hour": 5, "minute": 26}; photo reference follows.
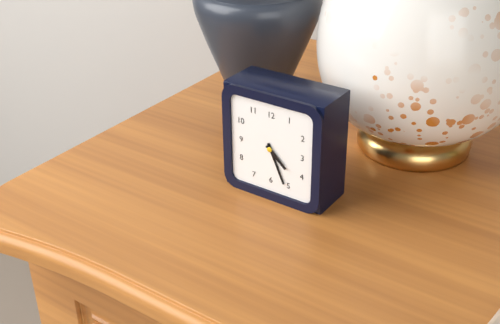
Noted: {"hour": 4, "minute": 26}
